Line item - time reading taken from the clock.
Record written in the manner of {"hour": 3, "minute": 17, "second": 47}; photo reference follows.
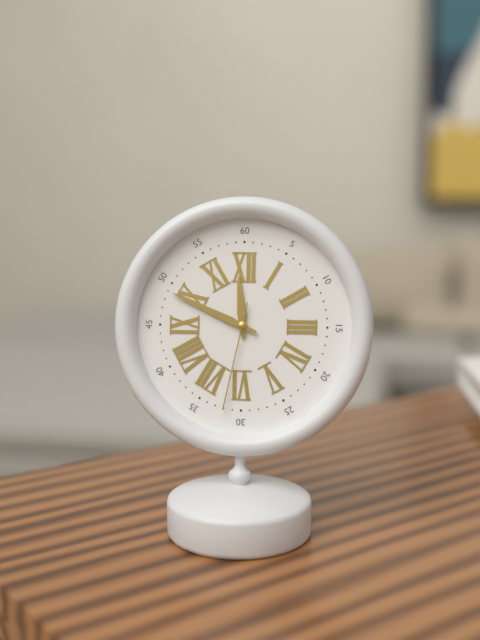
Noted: {"hour": 11, "minute": 49, "second": 32}
